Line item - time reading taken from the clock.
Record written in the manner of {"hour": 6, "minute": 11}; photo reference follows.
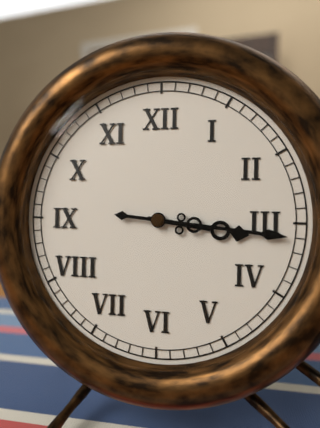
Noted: {"hour": 3, "minute": 16}
